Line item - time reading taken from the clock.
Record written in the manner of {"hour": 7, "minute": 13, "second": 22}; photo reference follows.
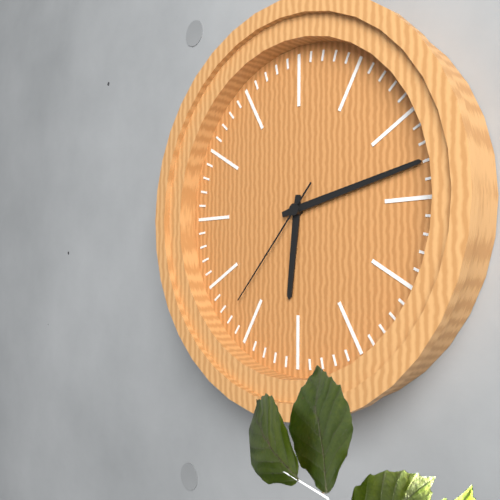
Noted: {"hour": 6, "minute": 13, "second": 37}
